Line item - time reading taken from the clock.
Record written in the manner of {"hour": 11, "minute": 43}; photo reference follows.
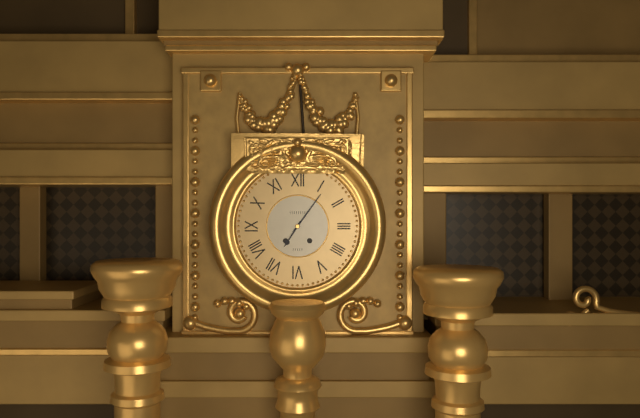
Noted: {"hour": 7, "minute": 6}
